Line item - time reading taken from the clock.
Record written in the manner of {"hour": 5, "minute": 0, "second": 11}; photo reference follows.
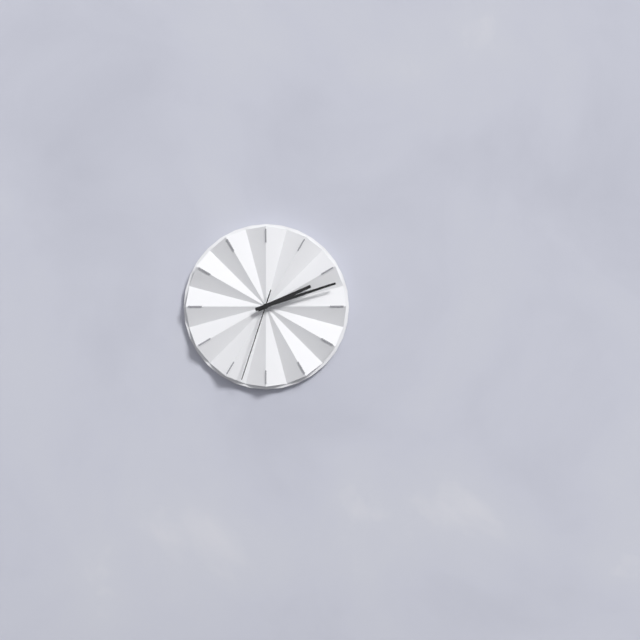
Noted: {"hour": 2, "minute": 12, "second": 33}
